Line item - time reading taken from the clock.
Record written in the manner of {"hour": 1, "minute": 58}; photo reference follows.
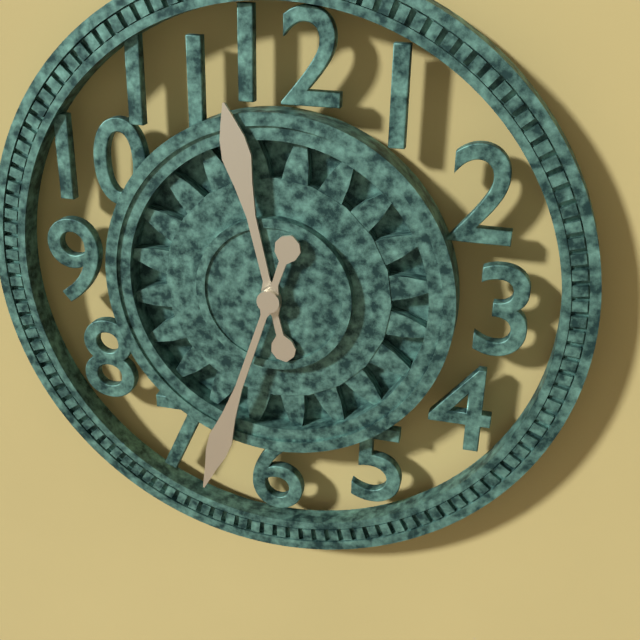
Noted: {"hour": 11, "minute": 33}
